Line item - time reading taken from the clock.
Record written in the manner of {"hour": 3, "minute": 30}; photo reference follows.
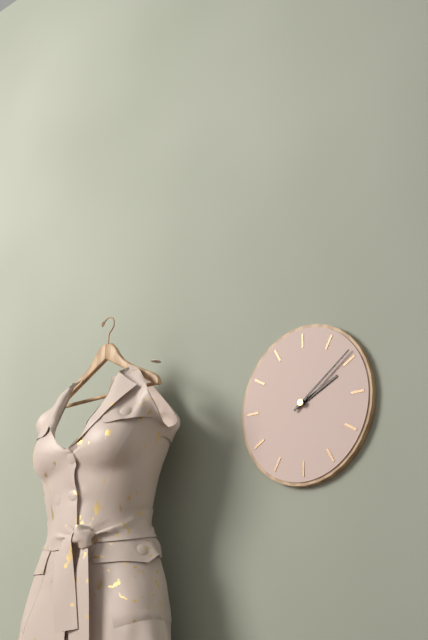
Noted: {"hour": 2, "minute": 9}
